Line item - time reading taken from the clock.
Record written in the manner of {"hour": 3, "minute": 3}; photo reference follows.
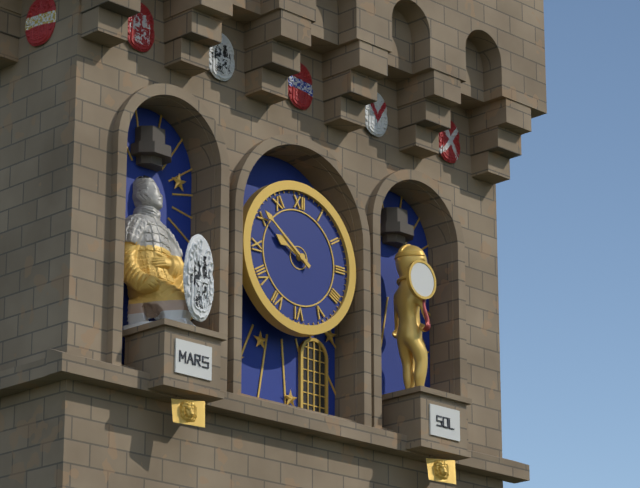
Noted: {"hour": 9, "minute": 51}
